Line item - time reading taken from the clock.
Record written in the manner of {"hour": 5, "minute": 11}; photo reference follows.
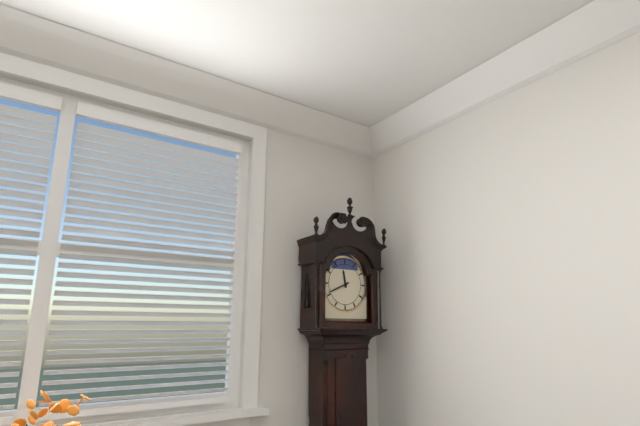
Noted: {"hour": 11, "minute": 41}
